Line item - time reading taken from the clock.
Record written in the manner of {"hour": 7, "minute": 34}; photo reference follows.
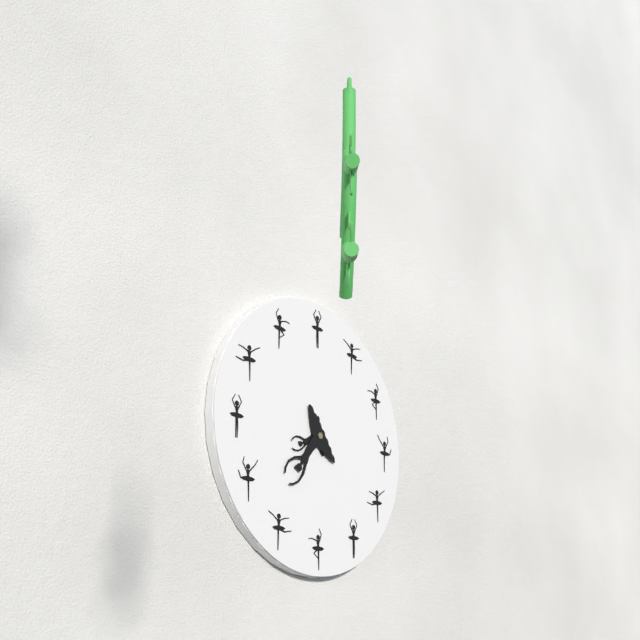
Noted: {"hour": 8, "minute": 39}
